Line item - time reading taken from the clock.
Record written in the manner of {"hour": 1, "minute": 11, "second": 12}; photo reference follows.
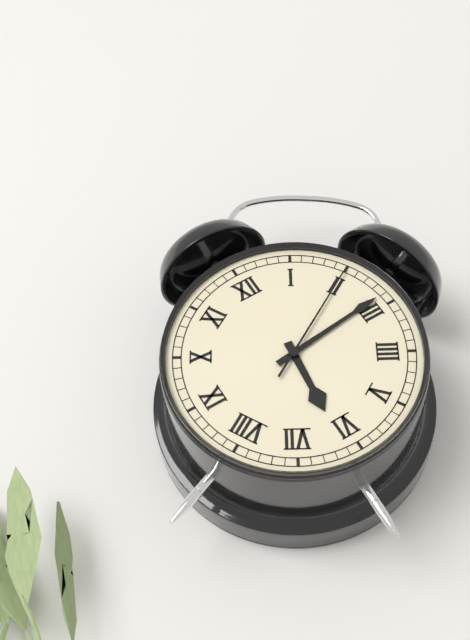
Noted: {"hour": 6, "minute": 14, "second": 10}
